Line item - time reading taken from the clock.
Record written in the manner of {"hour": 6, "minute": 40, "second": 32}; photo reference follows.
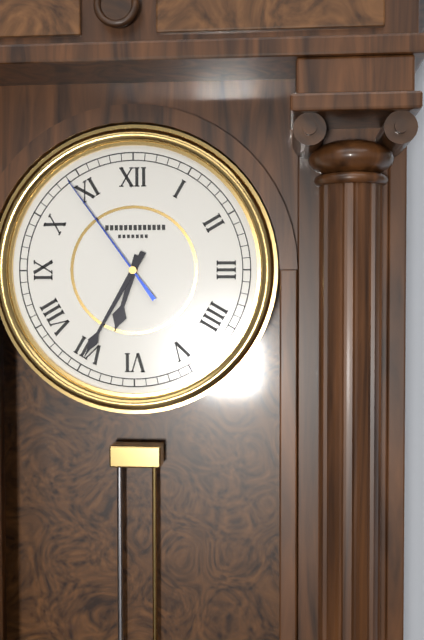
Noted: {"hour": 6, "minute": 35, "second": 54}
